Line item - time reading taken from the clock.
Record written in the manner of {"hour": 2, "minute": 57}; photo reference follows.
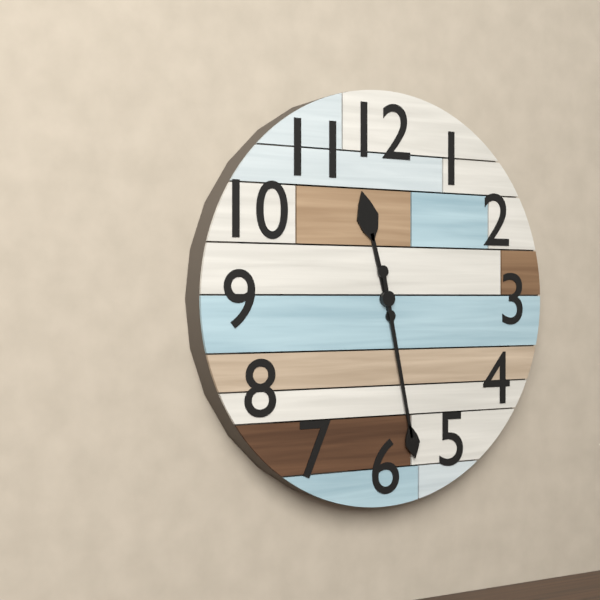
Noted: {"hour": 11, "minute": 28}
